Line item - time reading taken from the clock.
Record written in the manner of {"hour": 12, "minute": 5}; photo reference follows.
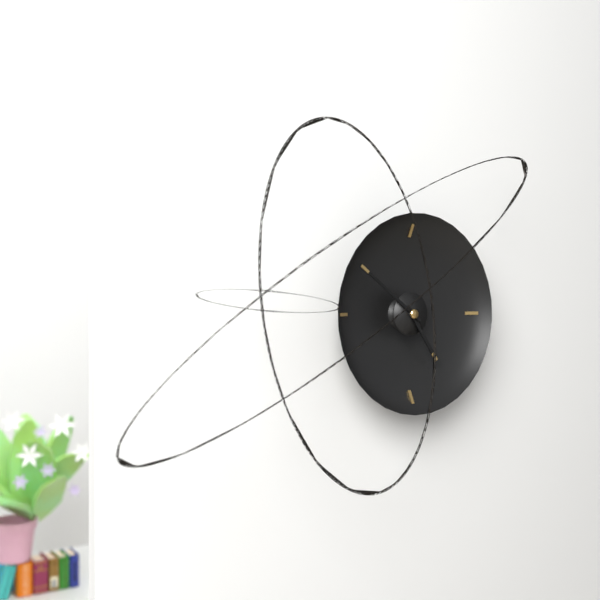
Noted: {"hour": 4, "minute": 51}
